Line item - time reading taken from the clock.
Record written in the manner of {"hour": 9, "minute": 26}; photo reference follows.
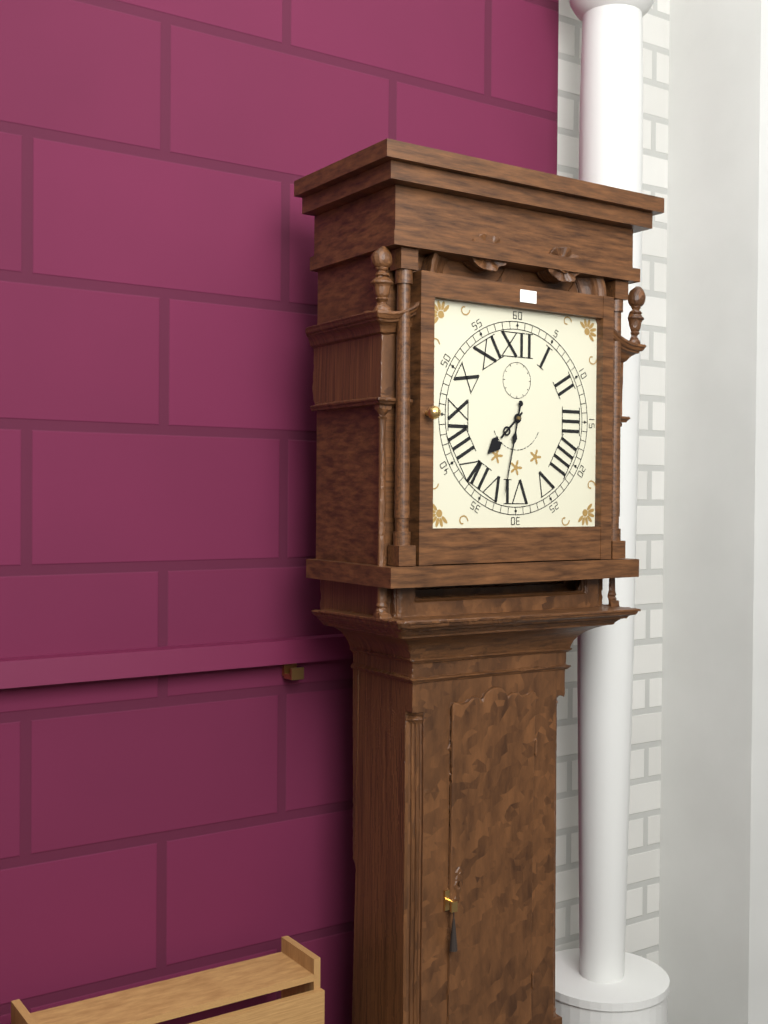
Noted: {"hour": 7, "minute": 32}
